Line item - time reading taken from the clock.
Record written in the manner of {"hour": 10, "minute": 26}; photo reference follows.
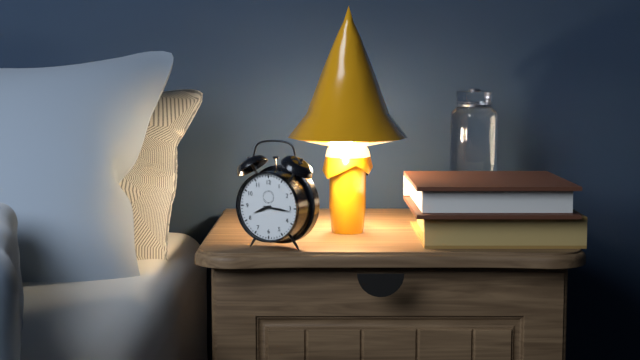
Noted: {"hour": 8, "minute": 16}
